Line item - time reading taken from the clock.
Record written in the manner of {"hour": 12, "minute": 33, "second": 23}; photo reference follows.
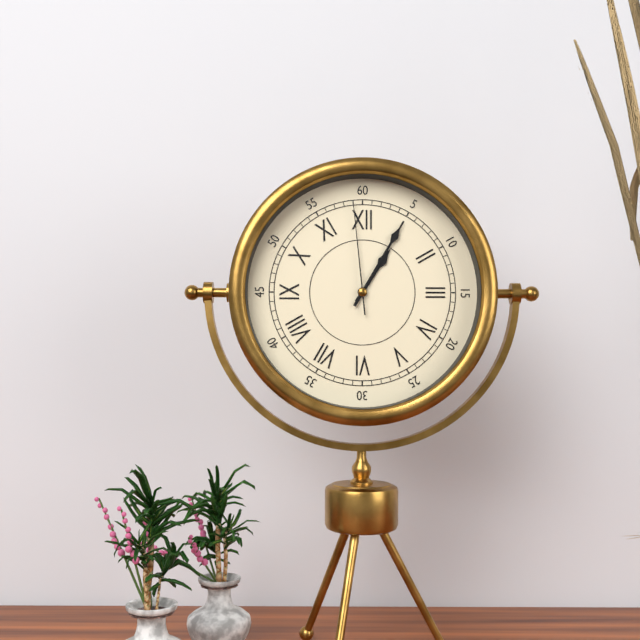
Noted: {"hour": 1, "minute": 5, "second": 59}
